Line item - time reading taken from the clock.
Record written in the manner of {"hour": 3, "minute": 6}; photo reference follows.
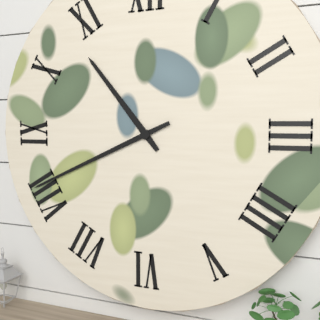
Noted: {"hour": 10, "minute": 41}
